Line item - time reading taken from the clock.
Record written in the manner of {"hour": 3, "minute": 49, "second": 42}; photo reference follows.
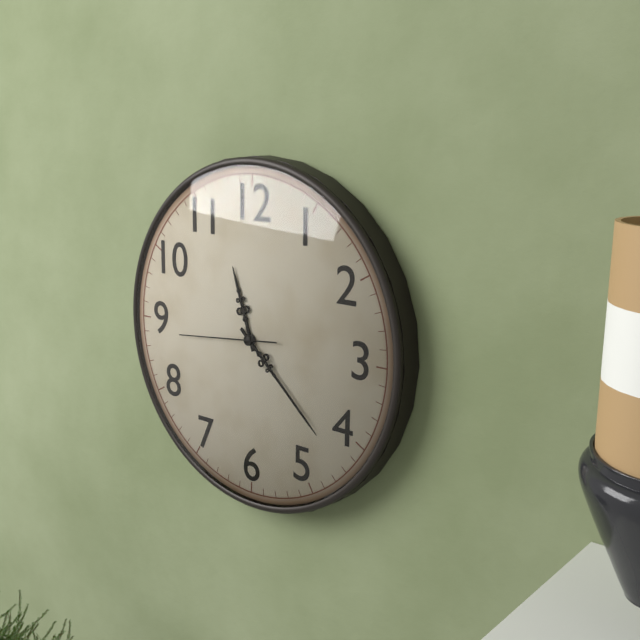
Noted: {"hour": 11, "minute": 22, "second": 44}
